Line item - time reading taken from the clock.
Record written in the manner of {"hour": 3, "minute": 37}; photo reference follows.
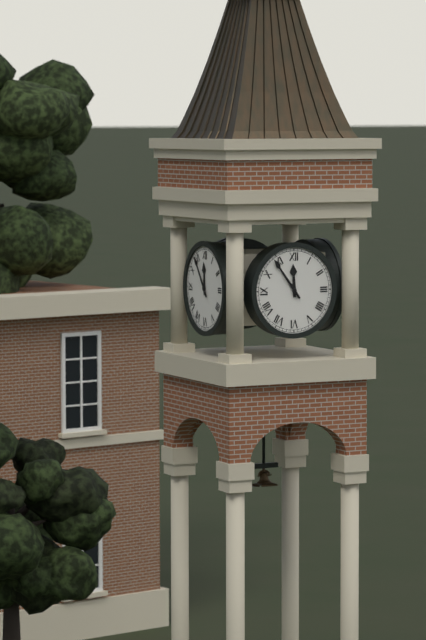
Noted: {"hour": 11, "minute": 54}
